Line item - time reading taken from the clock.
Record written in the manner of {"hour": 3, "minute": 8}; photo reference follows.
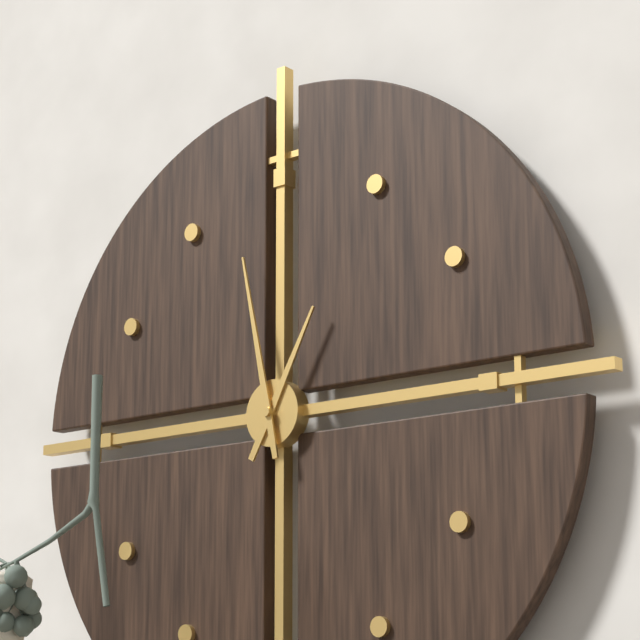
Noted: {"hour": 12, "minute": 58}
